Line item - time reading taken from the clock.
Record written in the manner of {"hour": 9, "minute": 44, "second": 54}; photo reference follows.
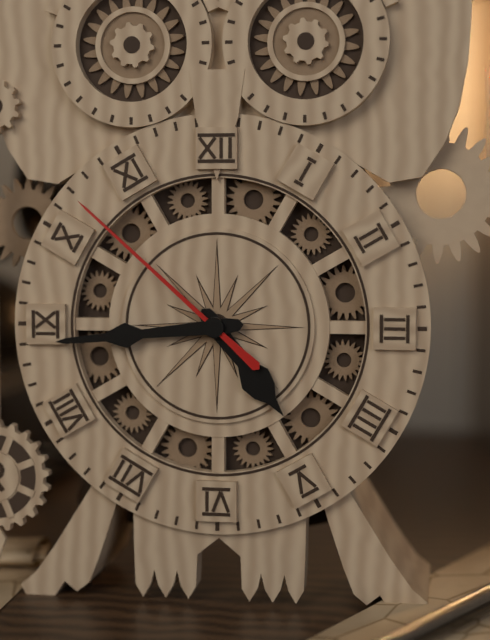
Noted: {"hour": 4, "minute": 44, "second": 52}
